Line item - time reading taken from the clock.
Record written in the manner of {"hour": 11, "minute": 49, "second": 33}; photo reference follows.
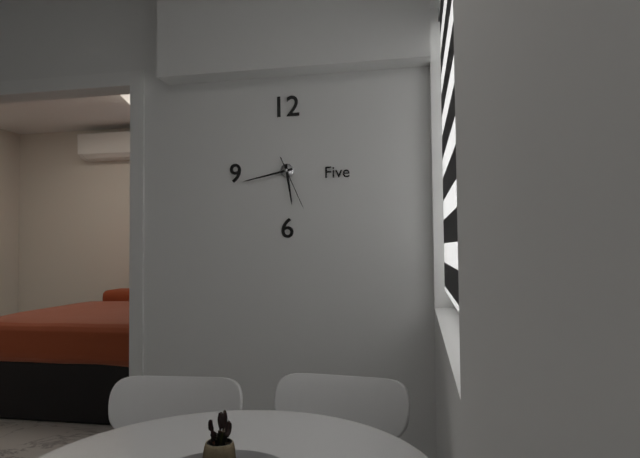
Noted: {"hour": 5, "minute": 43, "second": 26}
